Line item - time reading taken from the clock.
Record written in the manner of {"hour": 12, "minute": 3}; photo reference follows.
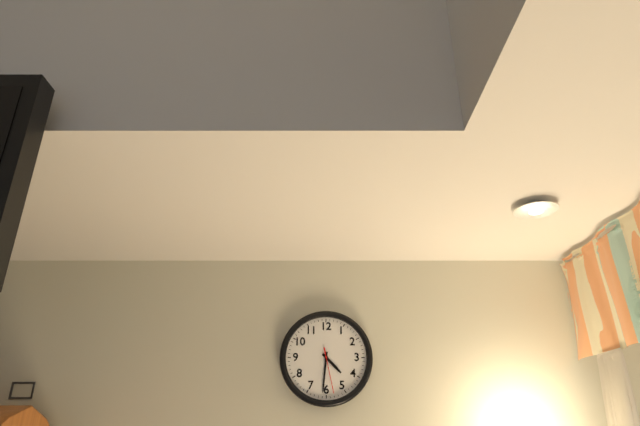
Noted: {"hour": 4, "minute": 31}
